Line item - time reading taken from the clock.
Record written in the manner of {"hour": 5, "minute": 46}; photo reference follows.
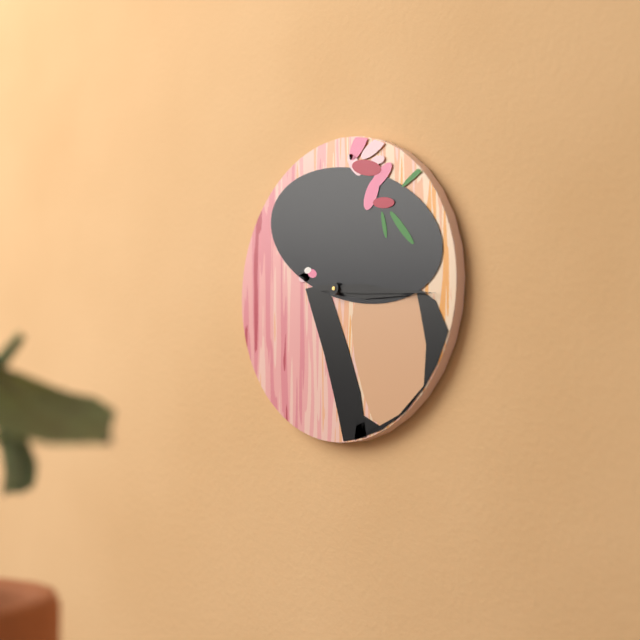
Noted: {"hour": 3, "minute": 16}
